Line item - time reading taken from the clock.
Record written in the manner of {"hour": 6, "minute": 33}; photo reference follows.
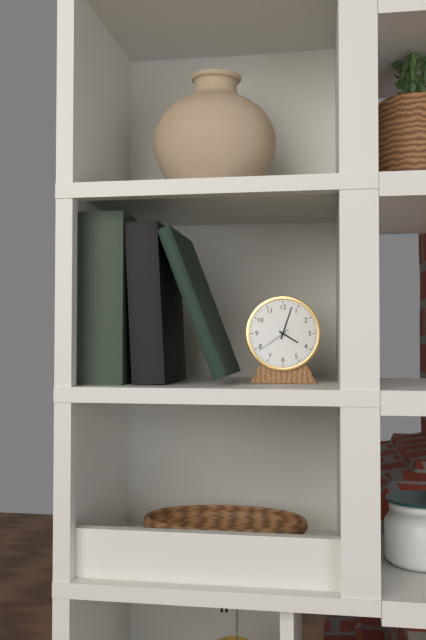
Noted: {"hour": 4, "minute": 3}
